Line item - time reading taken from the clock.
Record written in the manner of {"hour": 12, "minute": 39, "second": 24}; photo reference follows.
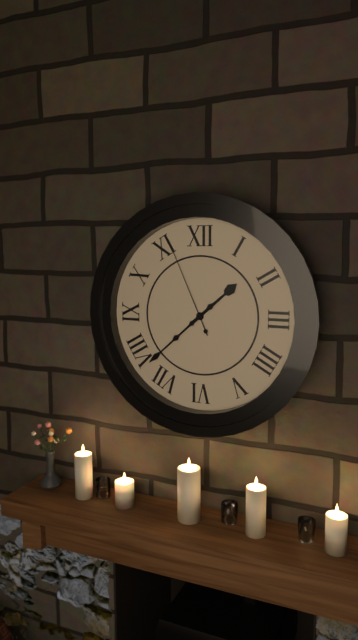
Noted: {"hour": 1, "minute": 38, "second": 56}
